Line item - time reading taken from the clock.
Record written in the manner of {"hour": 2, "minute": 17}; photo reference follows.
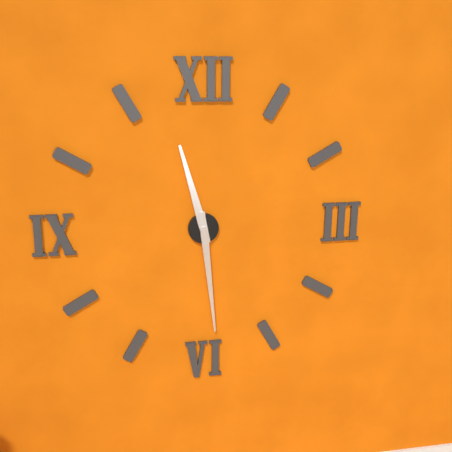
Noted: {"hour": 11, "minute": 29}
